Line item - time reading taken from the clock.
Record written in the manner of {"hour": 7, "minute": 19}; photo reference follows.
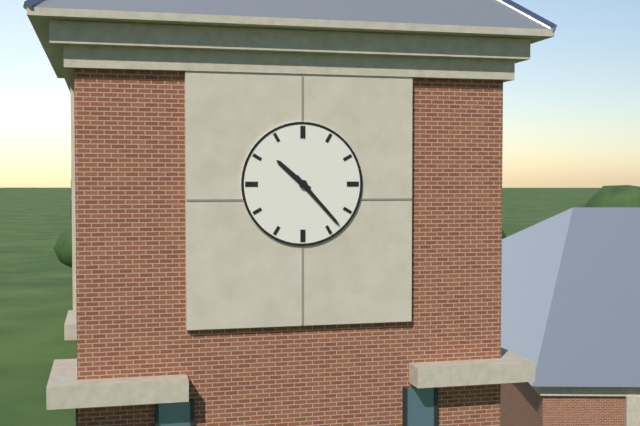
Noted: {"hour": 10, "minute": 23}
